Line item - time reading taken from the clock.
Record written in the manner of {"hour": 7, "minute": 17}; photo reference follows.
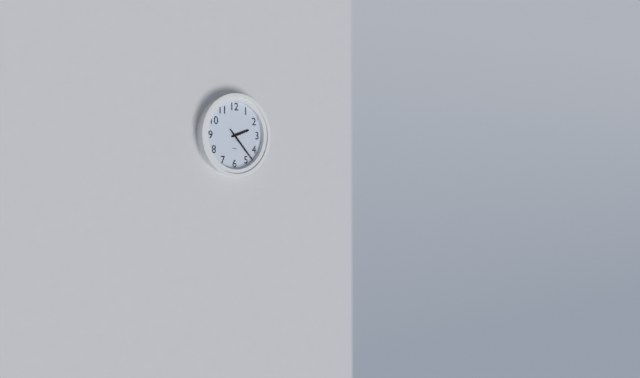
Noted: {"hour": 2, "minute": 23}
